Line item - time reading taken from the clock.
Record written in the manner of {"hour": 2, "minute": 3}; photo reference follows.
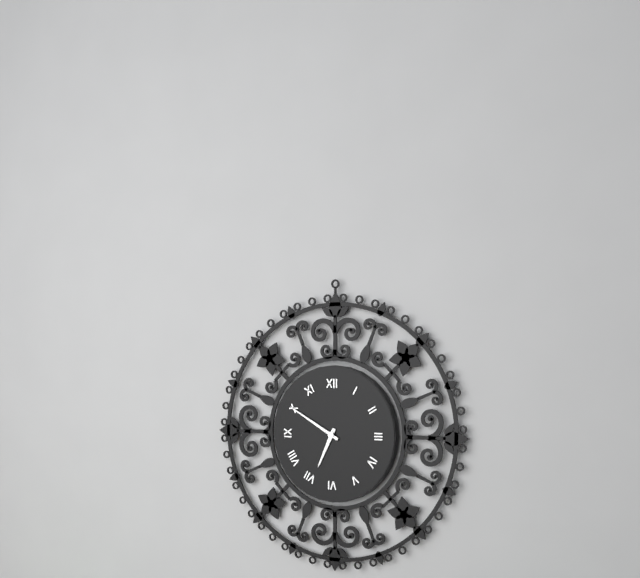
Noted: {"hour": 6, "minute": 50}
